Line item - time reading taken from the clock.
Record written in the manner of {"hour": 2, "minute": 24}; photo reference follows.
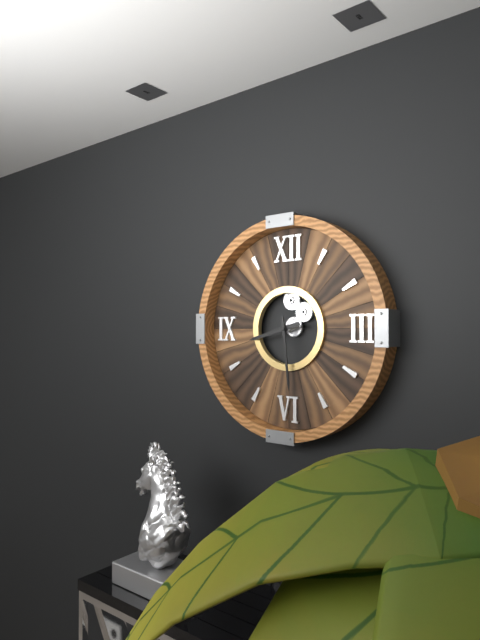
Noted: {"hour": 8, "minute": 29}
